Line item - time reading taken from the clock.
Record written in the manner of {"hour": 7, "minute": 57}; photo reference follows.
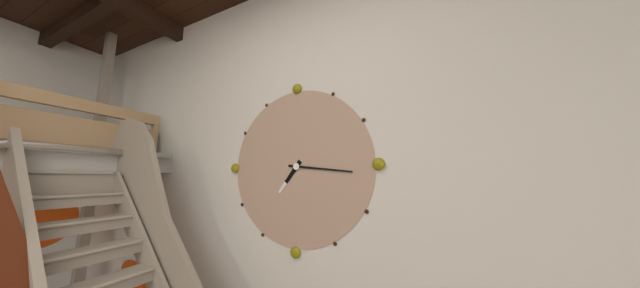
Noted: {"hour": 7, "minute": 16}
